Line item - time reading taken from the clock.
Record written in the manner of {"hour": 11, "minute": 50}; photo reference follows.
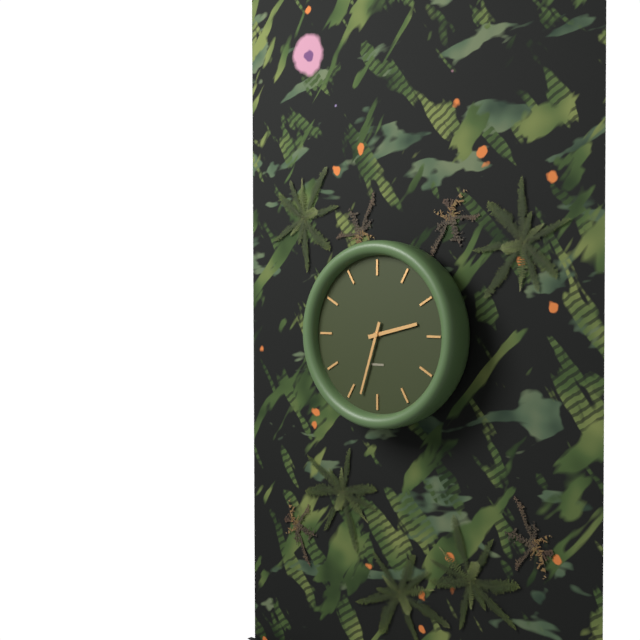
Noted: {"hour": 2, "minute": 33}
